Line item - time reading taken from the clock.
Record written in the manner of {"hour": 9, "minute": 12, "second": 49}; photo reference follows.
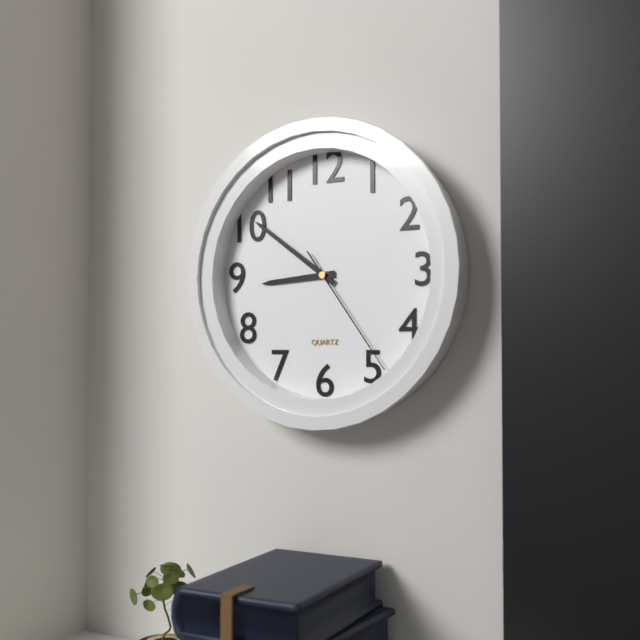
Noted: {"hour": 8, "minute": 51, "second": 24}
